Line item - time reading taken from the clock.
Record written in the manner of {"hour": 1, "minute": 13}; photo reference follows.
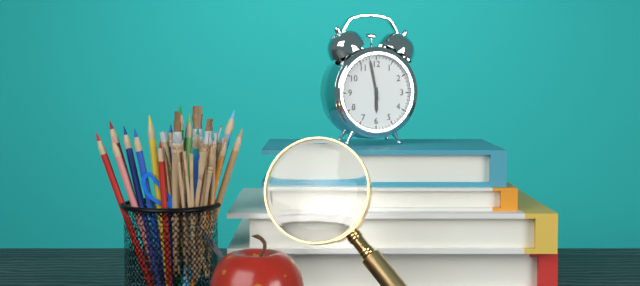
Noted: {"hour": 5, "minute": 58}
